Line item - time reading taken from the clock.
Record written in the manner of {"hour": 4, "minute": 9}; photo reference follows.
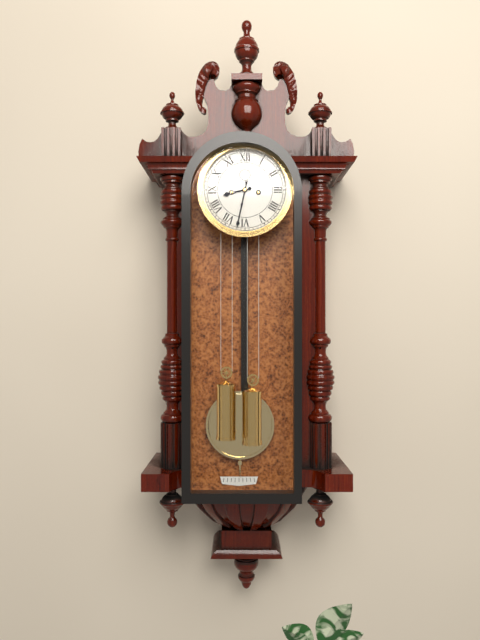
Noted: {"hour": 8, "minute": 32}
